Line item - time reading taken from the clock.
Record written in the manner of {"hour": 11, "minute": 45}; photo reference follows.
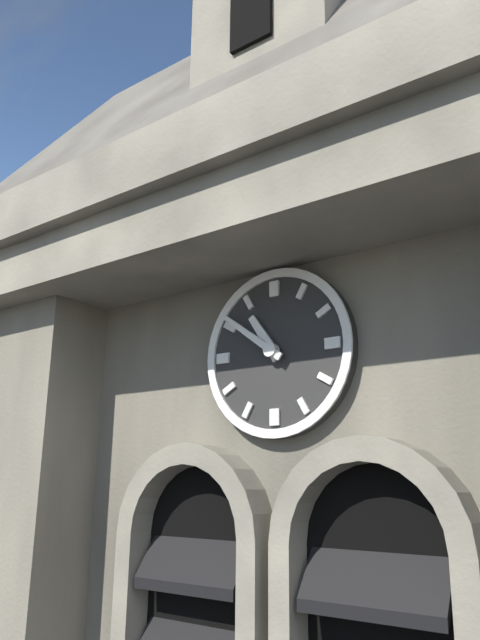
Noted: {"hour": 10, "minute": 51}
